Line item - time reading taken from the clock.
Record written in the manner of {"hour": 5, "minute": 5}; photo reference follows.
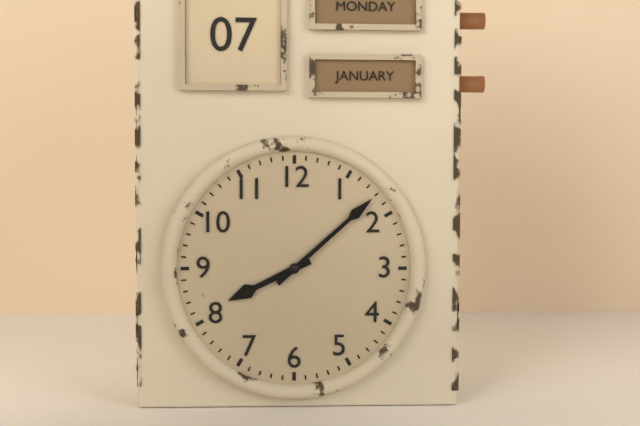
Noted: {"hour": 8, "minute": 8}
